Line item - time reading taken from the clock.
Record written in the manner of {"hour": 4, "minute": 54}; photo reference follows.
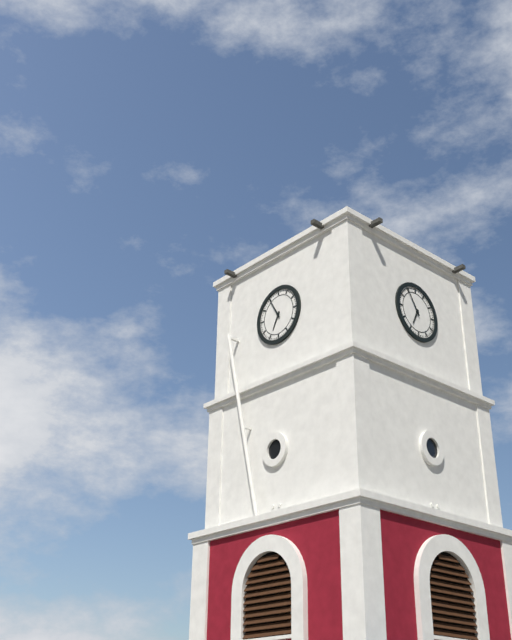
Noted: {"hour": 6, "minute": 55}
